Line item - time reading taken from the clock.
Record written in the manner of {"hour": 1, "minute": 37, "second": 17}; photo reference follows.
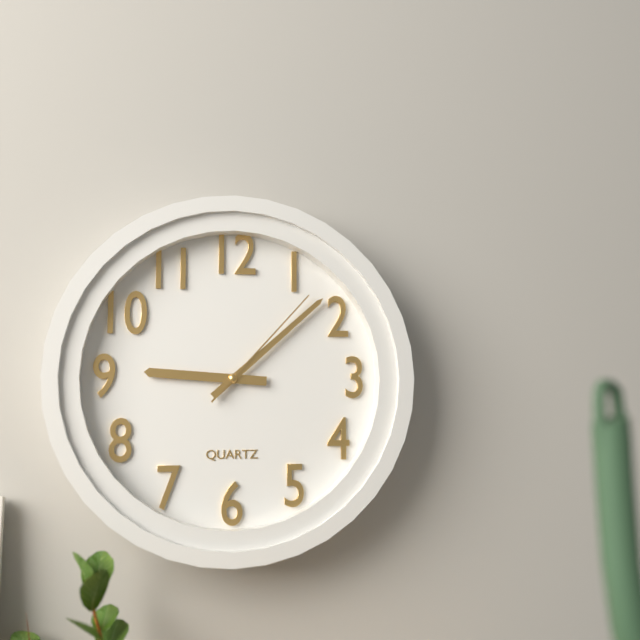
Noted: {"hour": 9, "minute": 8, "second": 7}
